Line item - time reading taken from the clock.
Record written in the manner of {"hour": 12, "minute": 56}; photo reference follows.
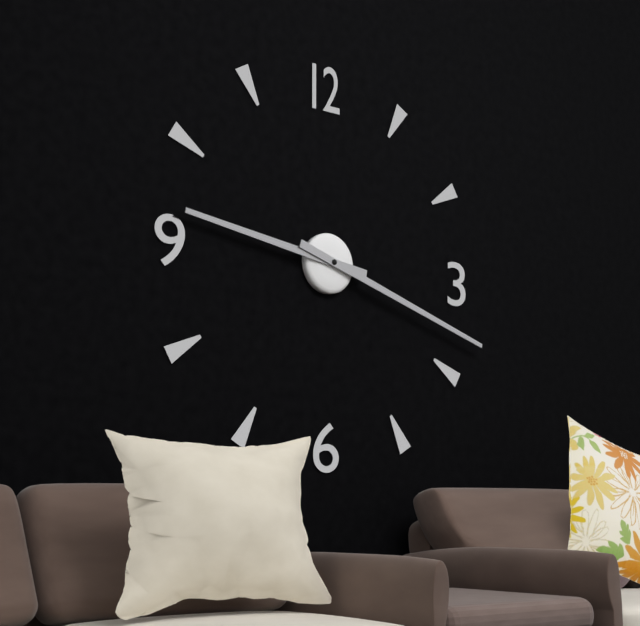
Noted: {"hour": 9, "minute": 18}
